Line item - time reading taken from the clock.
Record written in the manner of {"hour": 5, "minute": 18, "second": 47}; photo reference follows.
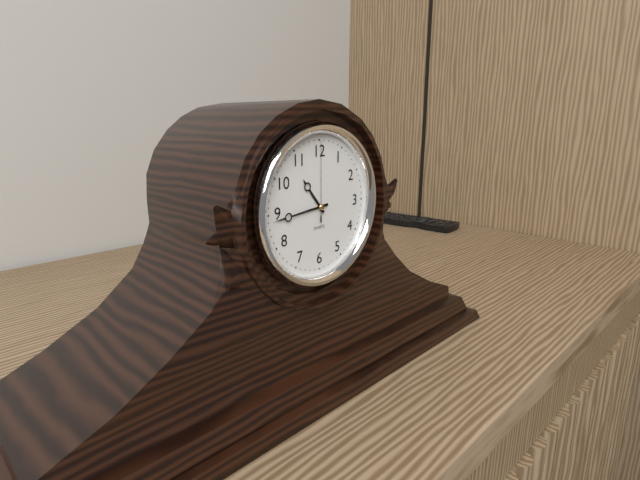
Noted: {"hour": 10, "minute": 44, "second": 0}
